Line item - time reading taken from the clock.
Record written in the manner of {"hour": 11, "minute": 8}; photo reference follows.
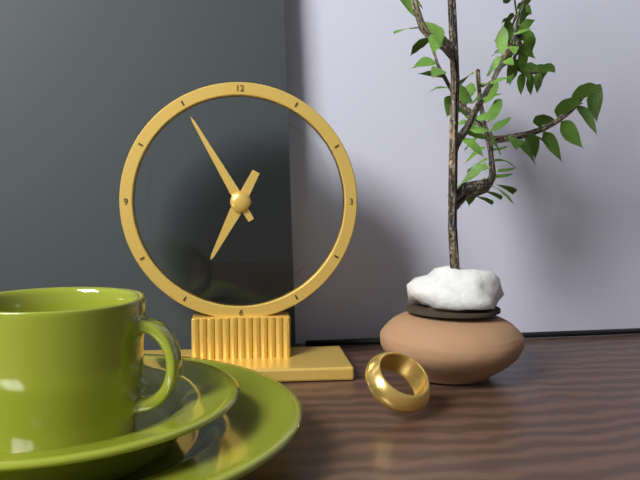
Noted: {"hour": 6, "minute": 55}
